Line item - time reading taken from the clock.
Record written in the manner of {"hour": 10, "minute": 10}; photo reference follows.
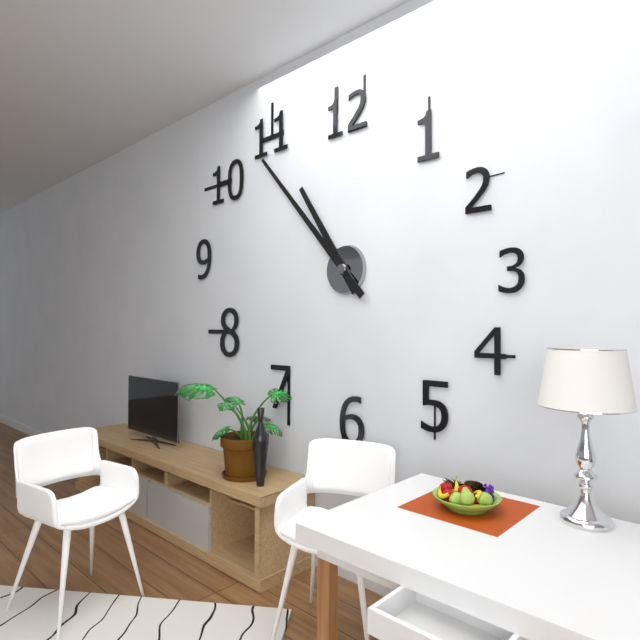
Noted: {"hour": 10, "minute": 53}
